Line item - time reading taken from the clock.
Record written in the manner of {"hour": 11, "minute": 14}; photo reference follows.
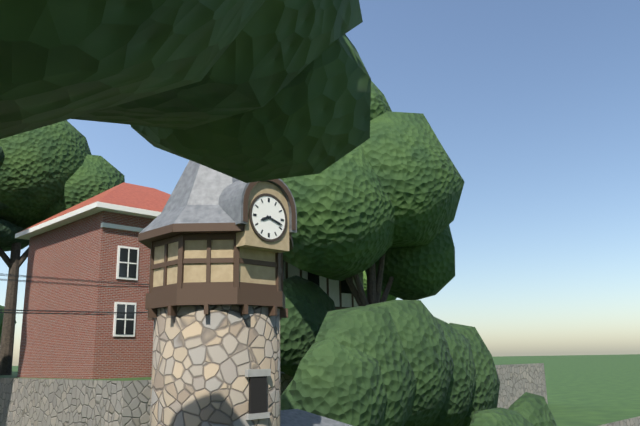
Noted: {"hour": 8, "minute": 18}
